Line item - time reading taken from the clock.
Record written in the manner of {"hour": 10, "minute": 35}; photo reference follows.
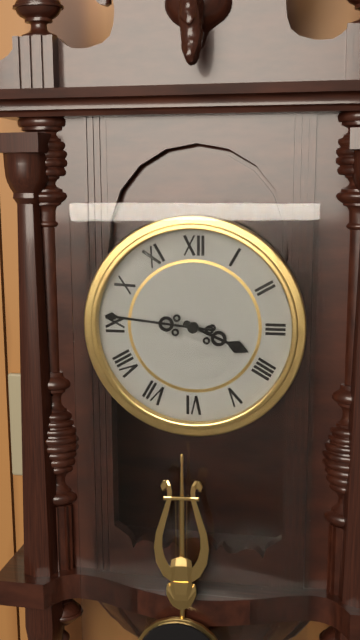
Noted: {"hour": 3, "minute": 46}
